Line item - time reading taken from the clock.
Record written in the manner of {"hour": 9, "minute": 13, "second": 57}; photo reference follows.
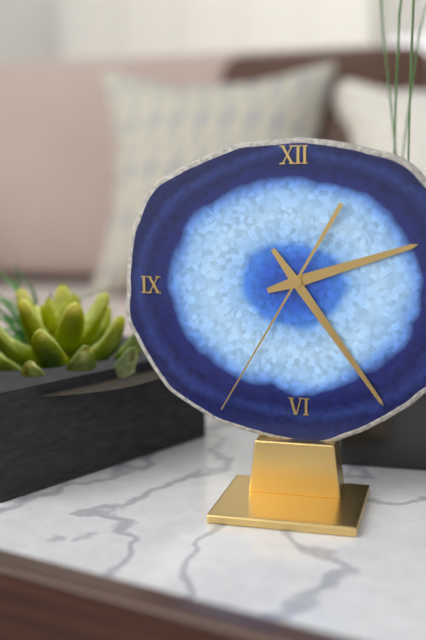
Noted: {"hour": 2, "minute": 24, "second": 35}
